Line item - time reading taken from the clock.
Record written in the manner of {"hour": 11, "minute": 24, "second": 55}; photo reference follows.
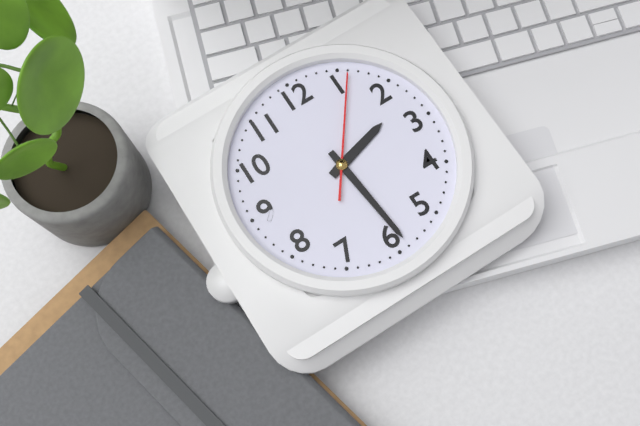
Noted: {"hour": 2, "minute": 29, "second": 6}
